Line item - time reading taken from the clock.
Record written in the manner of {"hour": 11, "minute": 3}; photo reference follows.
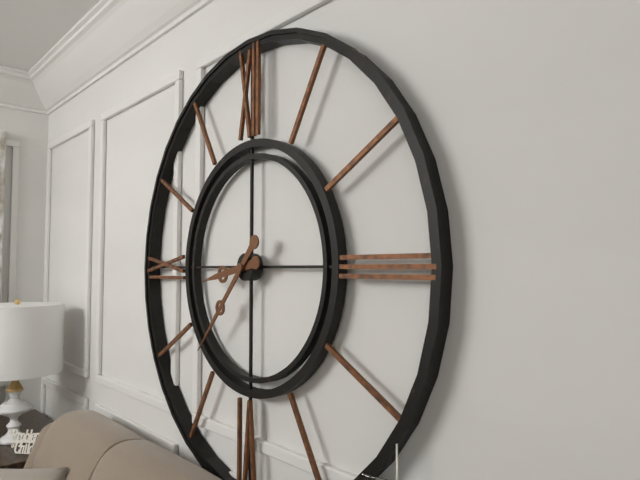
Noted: {"hour": 8, "minute": 37}
